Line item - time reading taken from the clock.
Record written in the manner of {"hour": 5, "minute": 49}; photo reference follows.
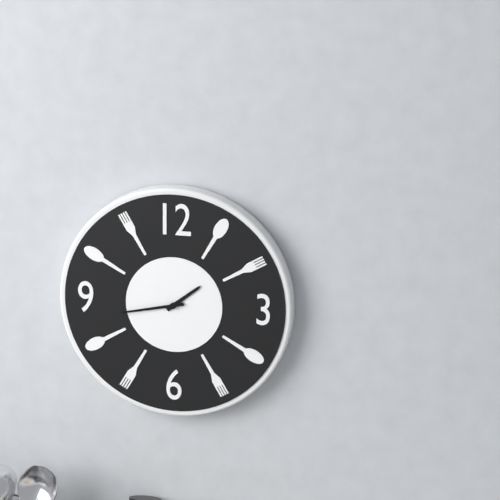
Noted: {"hour": 1, "minute": 43}
